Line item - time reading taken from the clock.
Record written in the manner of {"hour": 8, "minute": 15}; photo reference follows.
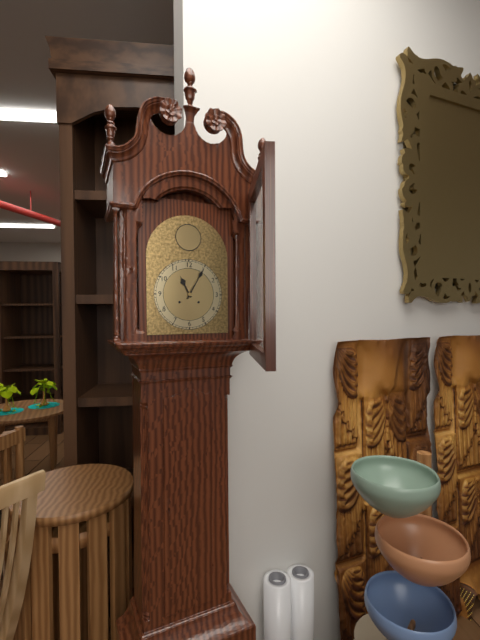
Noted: {"hour": 11, "minute": 5}
